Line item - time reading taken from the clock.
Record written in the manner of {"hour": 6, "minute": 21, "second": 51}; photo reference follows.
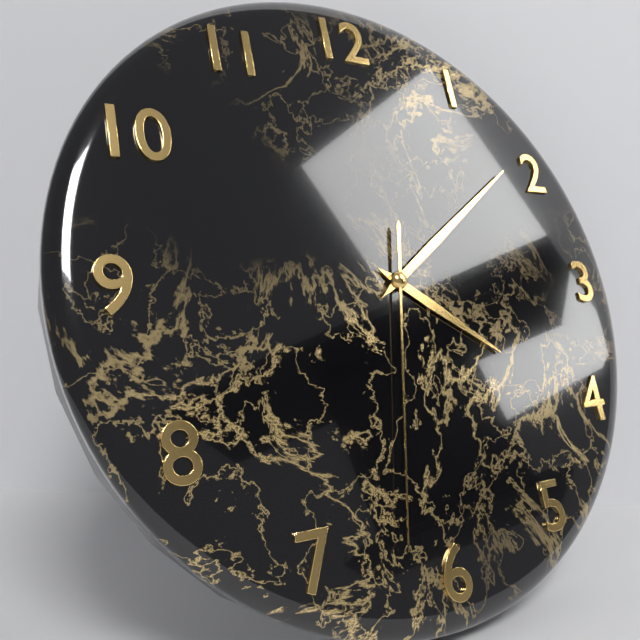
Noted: {"hour": 4, "minute": 9, "second": 32}
